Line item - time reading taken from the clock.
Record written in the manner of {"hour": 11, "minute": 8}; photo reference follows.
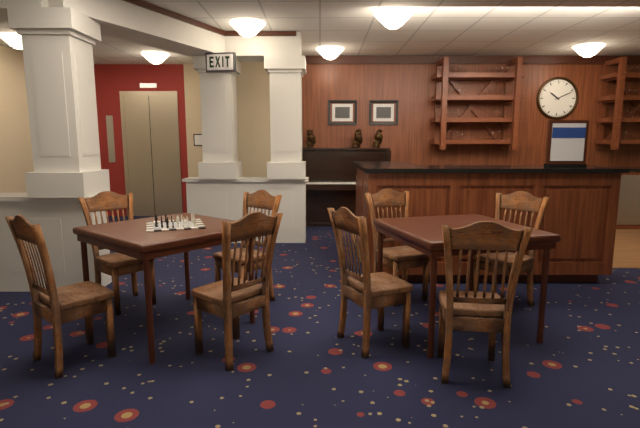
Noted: {"hour": 10, "minute": 11}
